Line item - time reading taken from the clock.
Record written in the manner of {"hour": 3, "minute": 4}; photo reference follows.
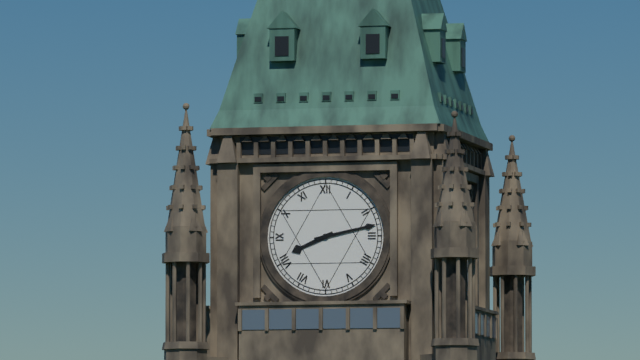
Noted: {"hour": 8, "minute": 13}
